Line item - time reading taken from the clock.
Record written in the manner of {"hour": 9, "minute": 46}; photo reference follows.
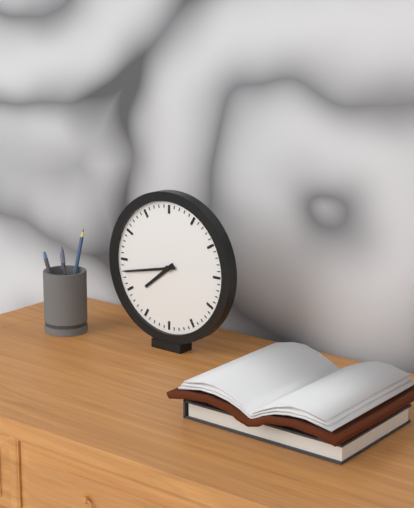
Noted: {"hour": 7, "minute": 43}
